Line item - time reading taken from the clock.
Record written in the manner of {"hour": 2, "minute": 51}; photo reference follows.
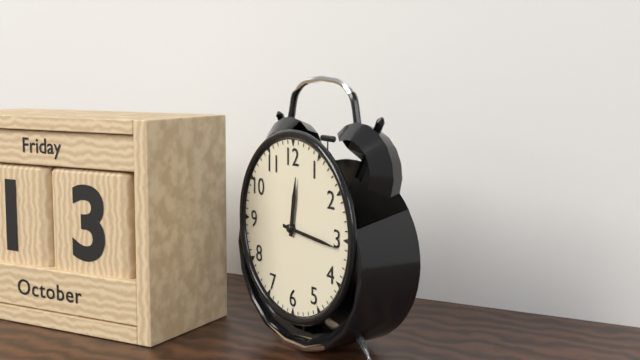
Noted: {"hour": 12, "minute": 16}
